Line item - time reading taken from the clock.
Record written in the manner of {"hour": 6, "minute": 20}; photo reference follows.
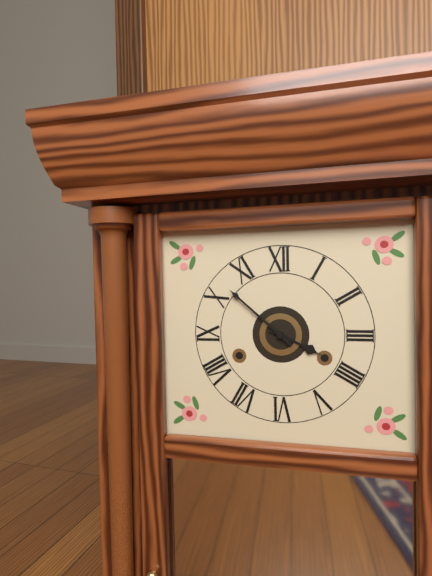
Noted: {"hour": 3, "minute": 52}
